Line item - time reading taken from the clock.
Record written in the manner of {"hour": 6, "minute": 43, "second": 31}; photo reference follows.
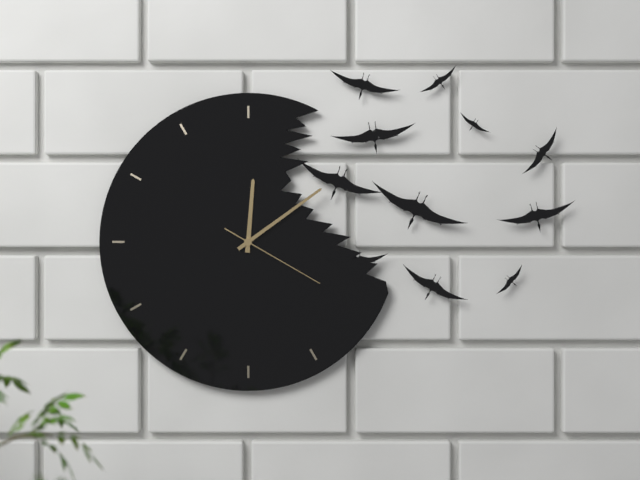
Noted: {"hour": 12, "minute": 9, "second": 20}
